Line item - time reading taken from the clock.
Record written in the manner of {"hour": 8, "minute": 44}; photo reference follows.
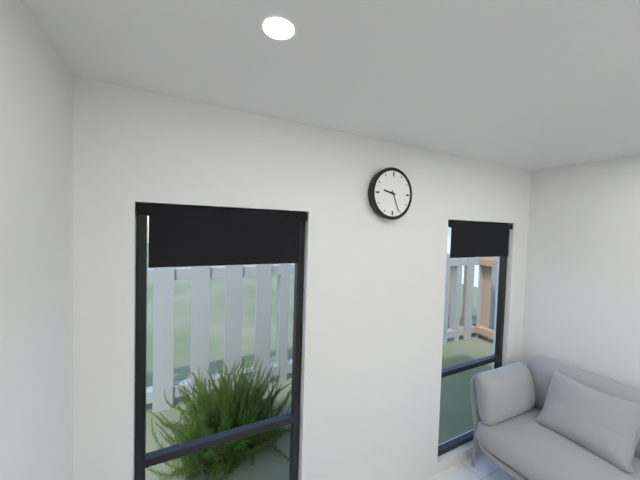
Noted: {"hour": 9, "minute": 26}
